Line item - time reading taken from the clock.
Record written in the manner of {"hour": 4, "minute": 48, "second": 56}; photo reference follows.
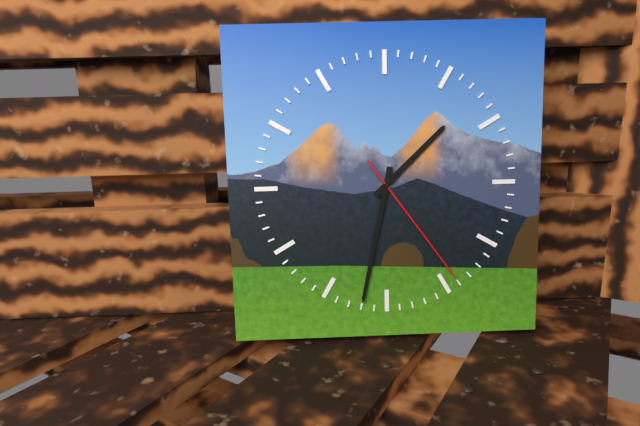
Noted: {"hour": 1, "minute": 32, "second": 24}
